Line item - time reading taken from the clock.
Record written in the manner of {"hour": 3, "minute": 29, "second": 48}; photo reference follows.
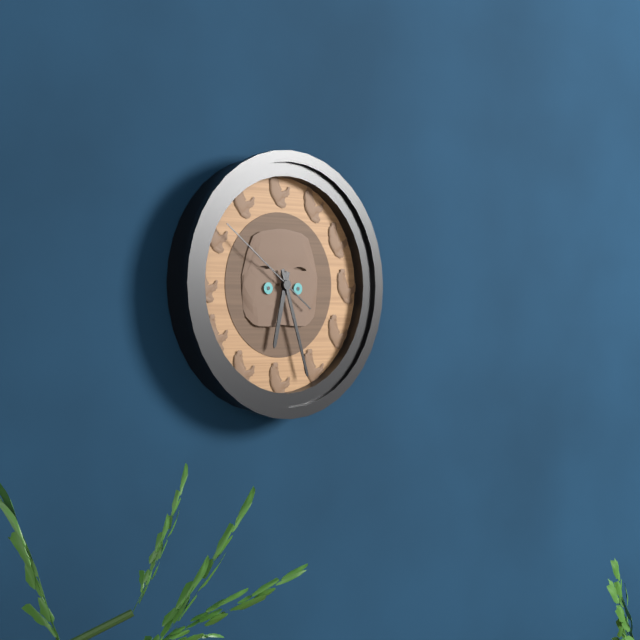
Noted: {"hour": 6, "minute": 27, "second": 51}
